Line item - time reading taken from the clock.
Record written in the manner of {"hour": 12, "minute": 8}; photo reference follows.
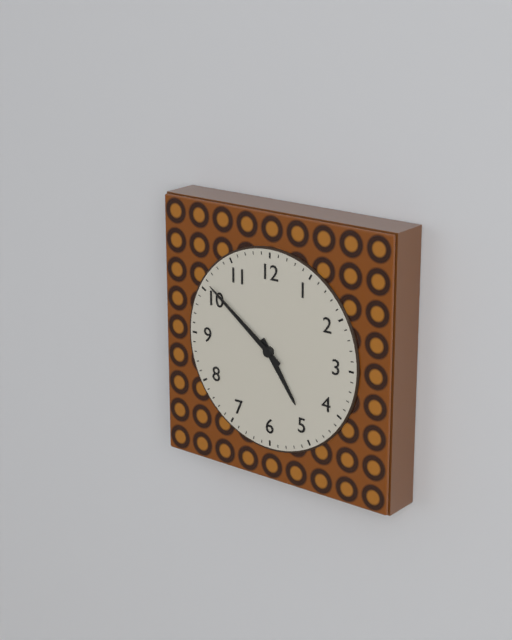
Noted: {"hour": 4, "minute": 51}
